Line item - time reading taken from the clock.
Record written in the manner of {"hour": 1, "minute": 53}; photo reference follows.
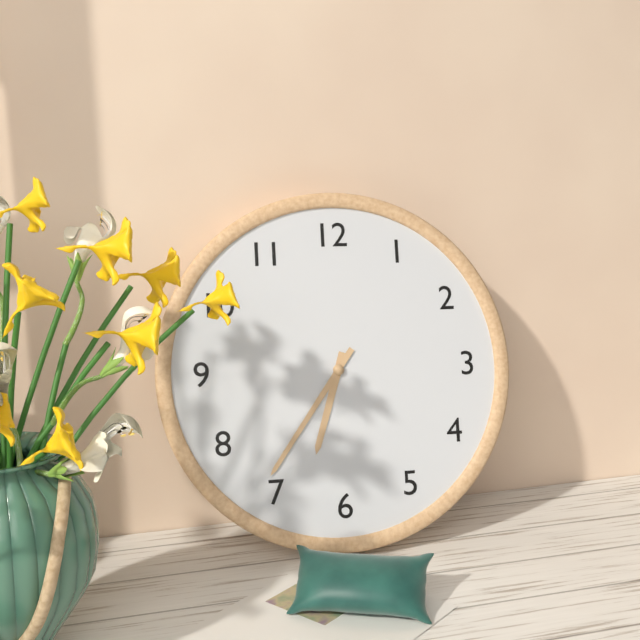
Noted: {"hour": 6, "minute": 36}
